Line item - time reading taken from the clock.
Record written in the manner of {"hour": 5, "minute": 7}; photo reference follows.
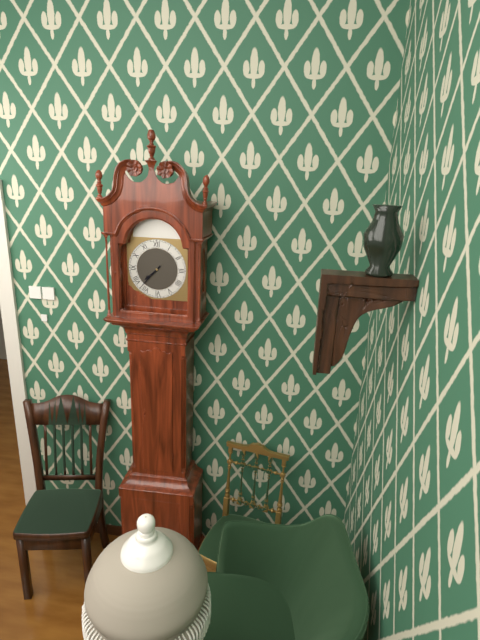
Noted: {"hour": 7, "minute": 37}
